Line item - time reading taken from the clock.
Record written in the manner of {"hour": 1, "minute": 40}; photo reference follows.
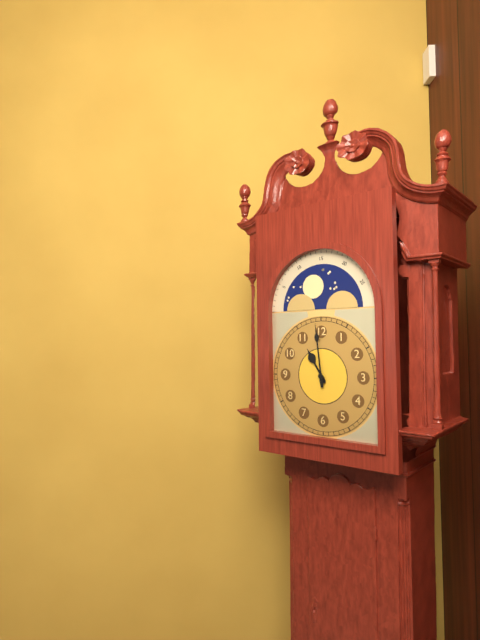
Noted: {"hour": 10, "minute": 59}
